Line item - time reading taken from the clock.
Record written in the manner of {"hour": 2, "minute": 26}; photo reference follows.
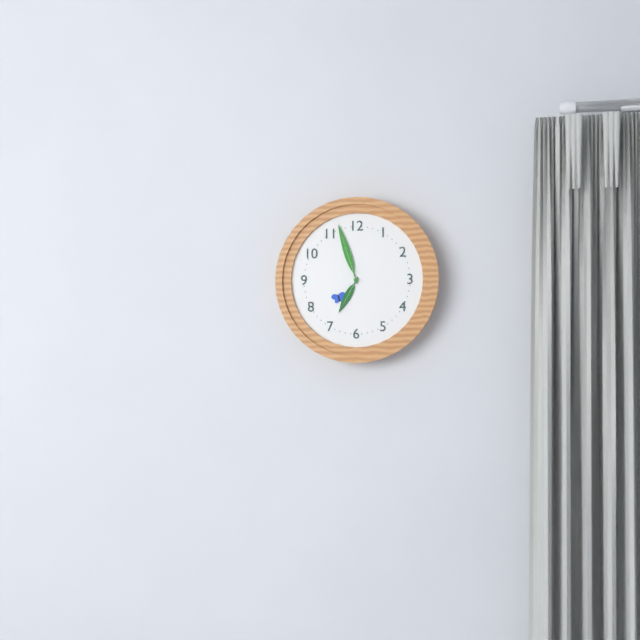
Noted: {"hour": 6, "minute": 57}
